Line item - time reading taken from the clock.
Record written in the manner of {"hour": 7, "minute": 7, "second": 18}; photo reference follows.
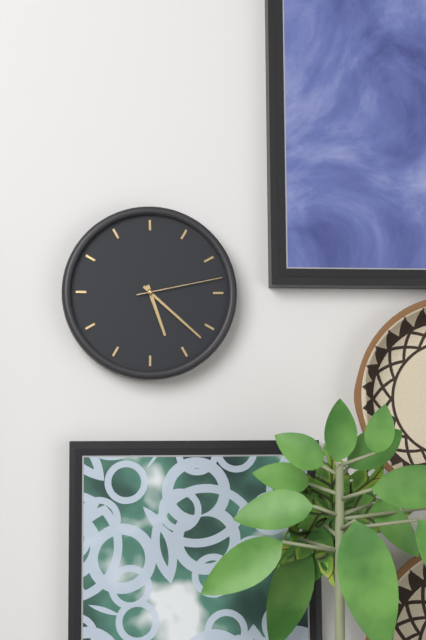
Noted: {"hour": 5, "minute": 22, "second": 13}
